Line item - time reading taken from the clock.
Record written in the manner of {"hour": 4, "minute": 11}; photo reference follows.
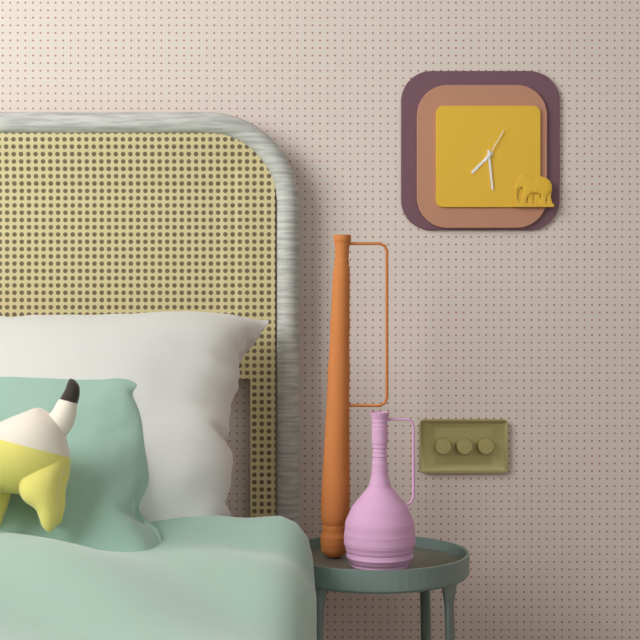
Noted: {"hour": 7, "minute": 29}
